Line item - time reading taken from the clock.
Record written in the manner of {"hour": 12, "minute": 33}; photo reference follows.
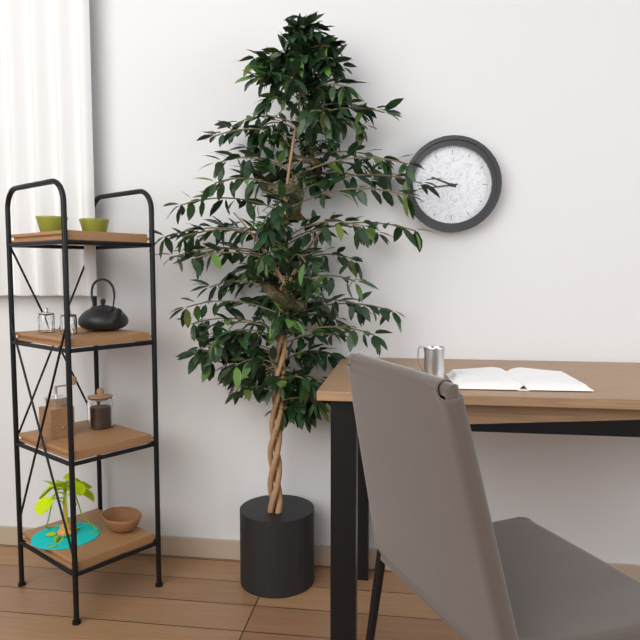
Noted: {"hour": 9, "minute": 44}
